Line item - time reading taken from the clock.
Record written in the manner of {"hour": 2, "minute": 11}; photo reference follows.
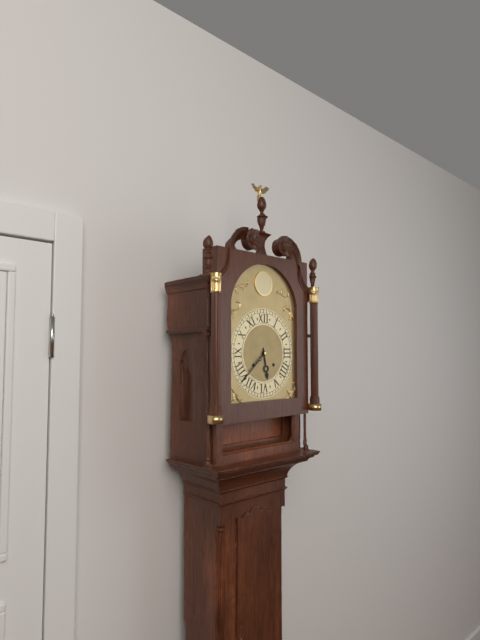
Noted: {"hour": 5, "minute": 38}
